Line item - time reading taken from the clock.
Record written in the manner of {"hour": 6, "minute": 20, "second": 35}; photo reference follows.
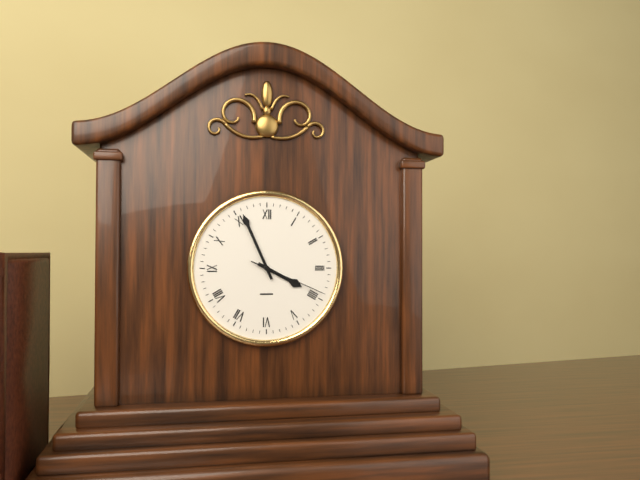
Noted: {"hour": 3, "minute": 56, "second": 19}
